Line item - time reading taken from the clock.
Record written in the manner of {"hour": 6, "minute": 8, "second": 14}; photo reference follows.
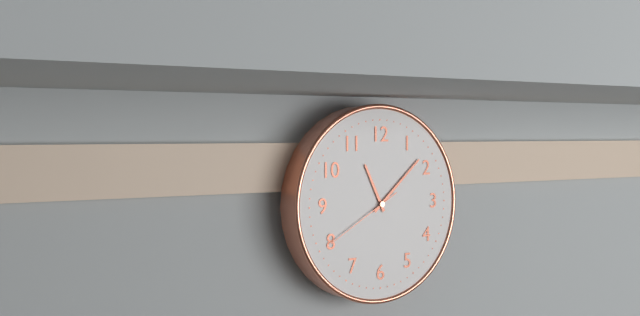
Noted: {"hour": 11, "minute": 8, "second": 40}
